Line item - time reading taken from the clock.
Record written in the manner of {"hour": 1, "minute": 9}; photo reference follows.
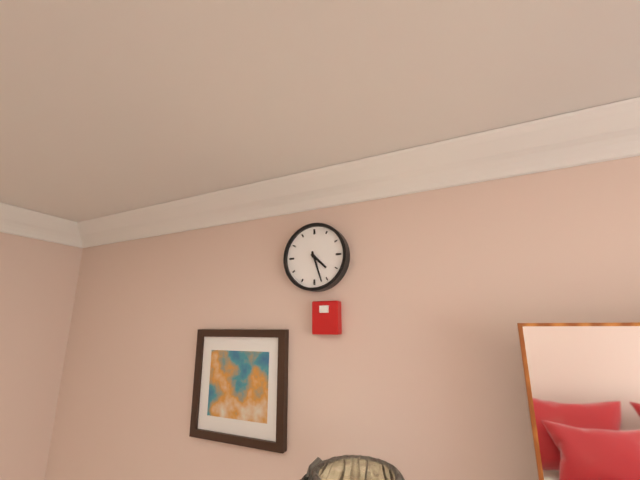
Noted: {"hour": 4, "minute": 27}
